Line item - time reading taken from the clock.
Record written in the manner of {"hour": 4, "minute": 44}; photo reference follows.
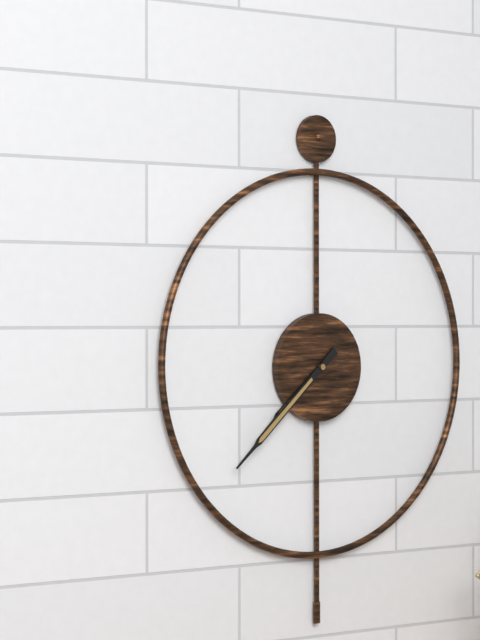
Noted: {"hour": 7, "minute": 38}
